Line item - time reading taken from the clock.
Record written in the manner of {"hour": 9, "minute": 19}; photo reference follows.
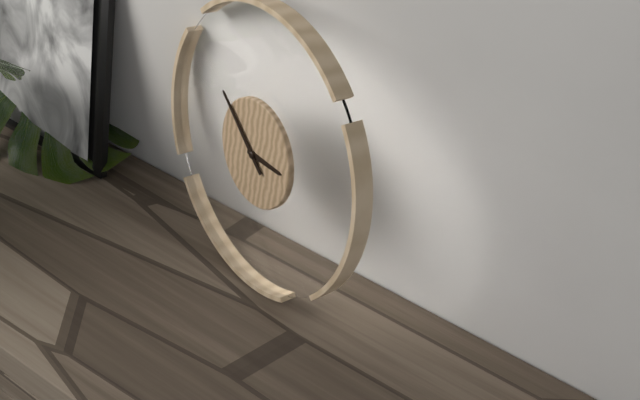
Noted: {"hour": 2, "minute": 51}
